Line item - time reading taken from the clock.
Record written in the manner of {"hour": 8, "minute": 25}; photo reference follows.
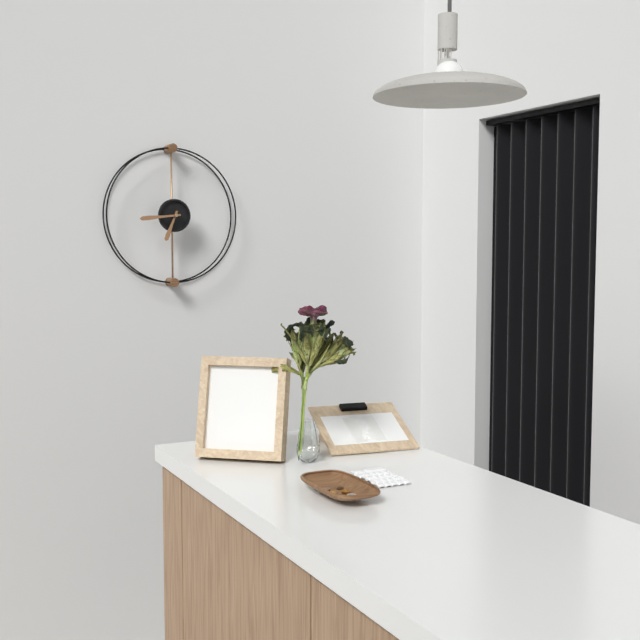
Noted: {"hour": 6, "minute": 44}
